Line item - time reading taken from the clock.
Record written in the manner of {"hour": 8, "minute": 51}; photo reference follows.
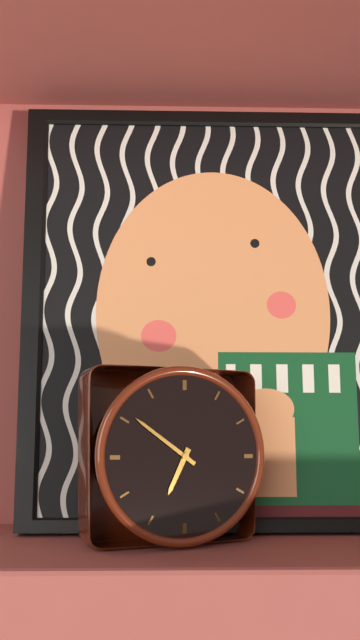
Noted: {"hour": 6, "minute": 51}
